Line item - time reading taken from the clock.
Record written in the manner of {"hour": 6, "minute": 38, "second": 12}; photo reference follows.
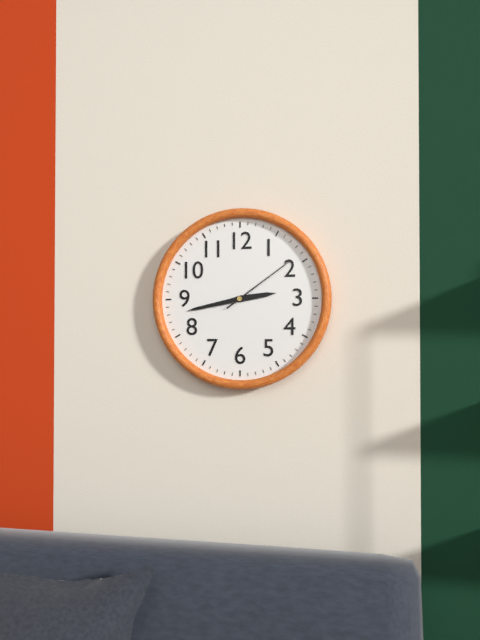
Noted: {"hour": 2, "minute": 43, "second": 9}
